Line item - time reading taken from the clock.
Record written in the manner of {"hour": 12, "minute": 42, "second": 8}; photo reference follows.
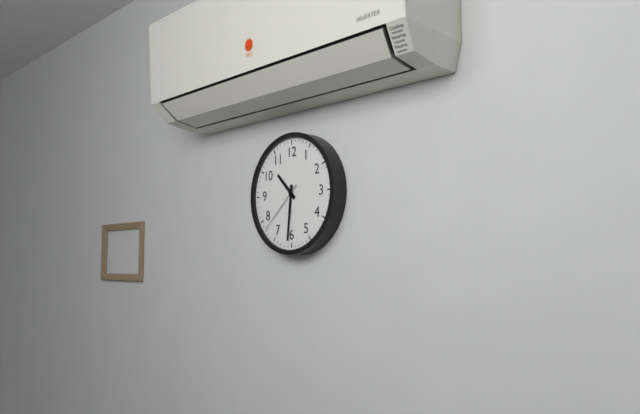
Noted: {"hour": 10, "minute": 31, "second": 38}
